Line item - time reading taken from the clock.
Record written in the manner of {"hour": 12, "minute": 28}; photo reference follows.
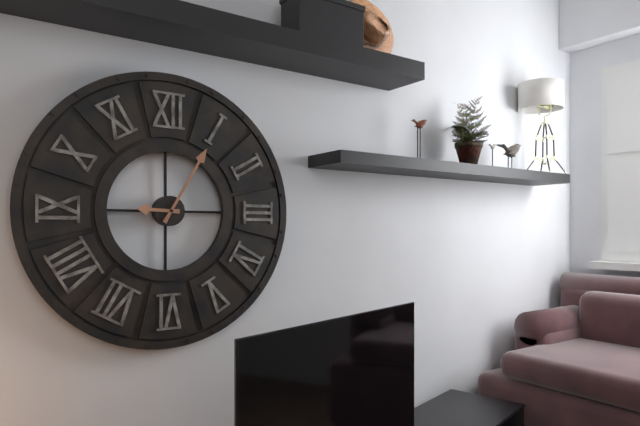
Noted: {"hour": 9, "minute": 5}
